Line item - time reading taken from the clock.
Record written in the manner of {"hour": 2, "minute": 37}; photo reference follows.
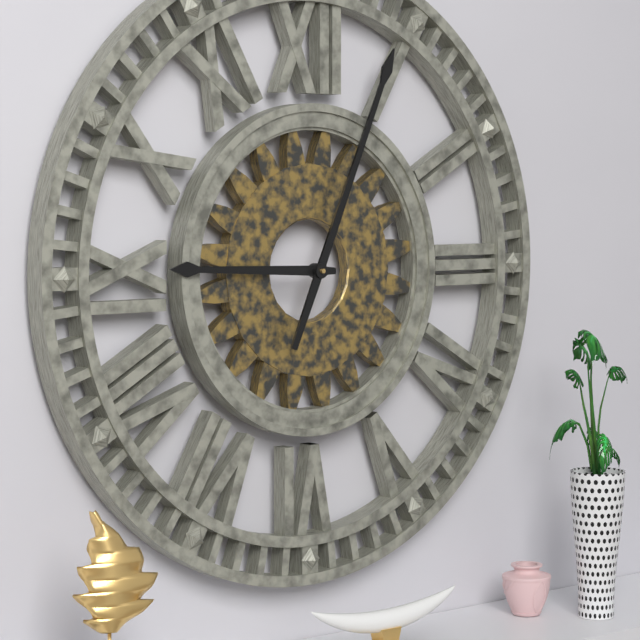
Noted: {"hour": 9, "minute": 4}
